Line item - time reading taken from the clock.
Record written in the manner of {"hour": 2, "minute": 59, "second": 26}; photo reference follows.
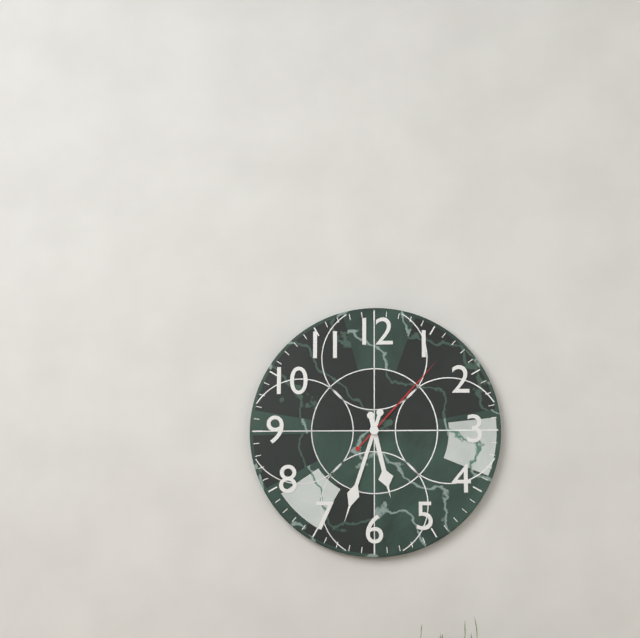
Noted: {"hour": 5, "minute": 33, "second": 7}
